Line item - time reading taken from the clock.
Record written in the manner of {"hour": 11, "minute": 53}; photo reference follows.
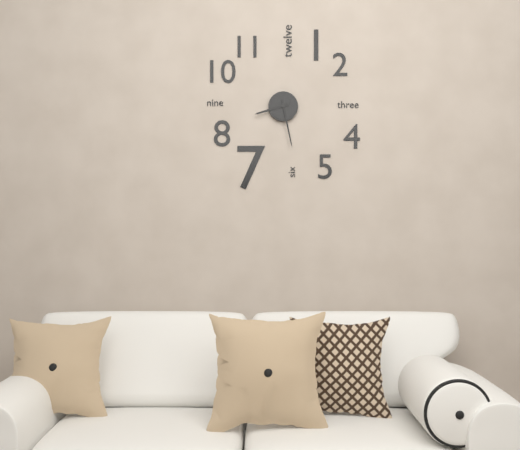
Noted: {"hour": 8, "minute": 28}
